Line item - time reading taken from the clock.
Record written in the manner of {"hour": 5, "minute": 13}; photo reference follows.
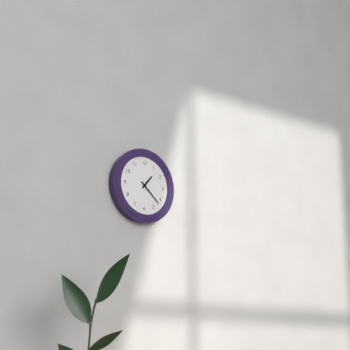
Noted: {"hour": 1, "minute": 22}
